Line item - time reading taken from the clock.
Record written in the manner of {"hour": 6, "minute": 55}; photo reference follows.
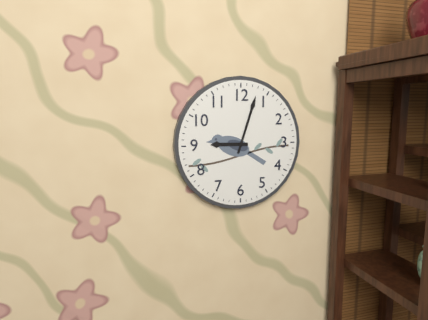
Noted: {"hour": 9, "minute": 3}
